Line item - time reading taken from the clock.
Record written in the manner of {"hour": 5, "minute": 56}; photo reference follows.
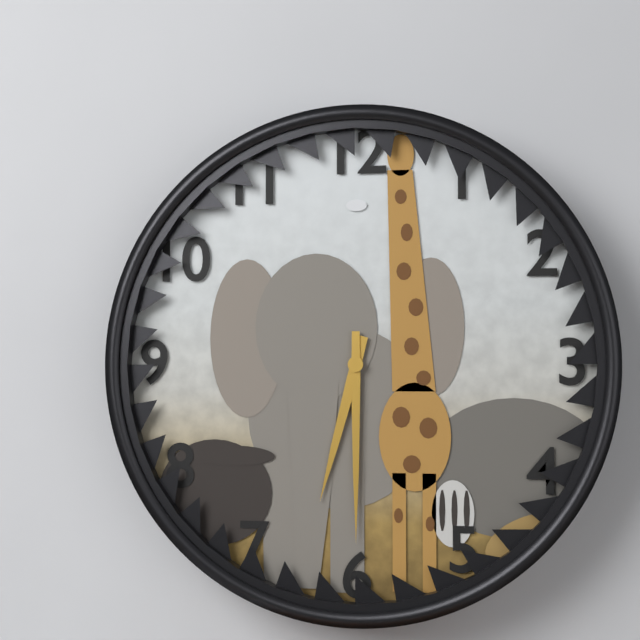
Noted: {"hour": 6, "minute": 30}
